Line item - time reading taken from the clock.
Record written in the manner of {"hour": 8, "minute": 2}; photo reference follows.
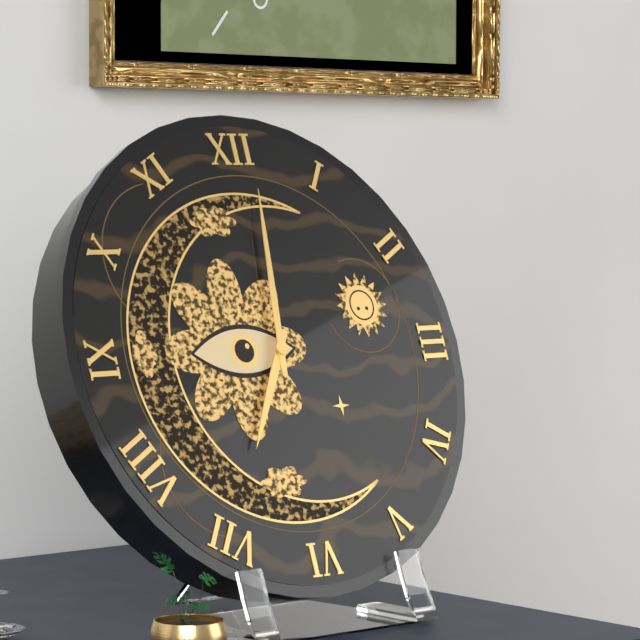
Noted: {"hour": 7, "minute": 1}
